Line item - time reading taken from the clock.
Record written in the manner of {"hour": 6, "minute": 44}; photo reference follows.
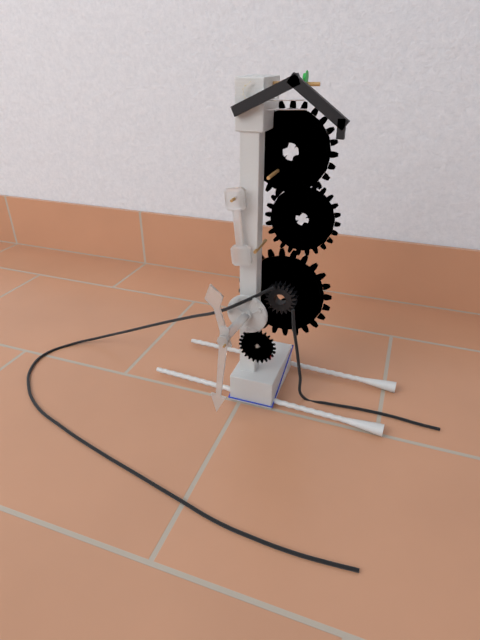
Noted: {"hour": 11, "minute": 31}
